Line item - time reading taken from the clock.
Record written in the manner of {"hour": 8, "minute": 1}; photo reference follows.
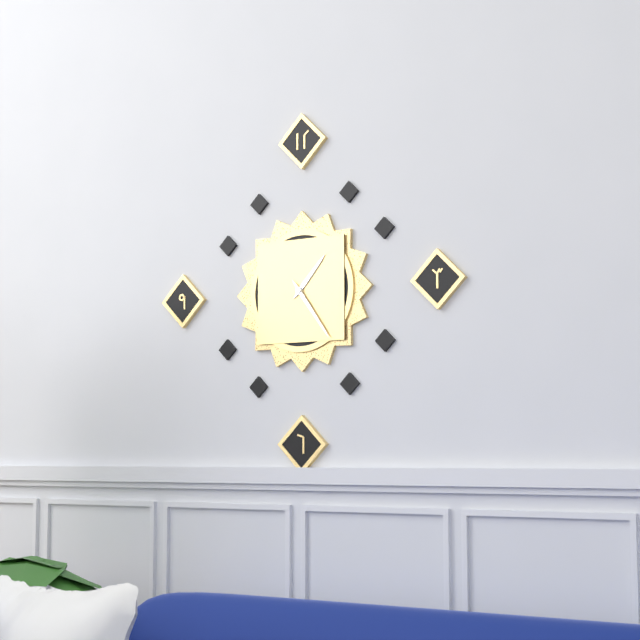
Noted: {"hour": 1, "minute": 24}
